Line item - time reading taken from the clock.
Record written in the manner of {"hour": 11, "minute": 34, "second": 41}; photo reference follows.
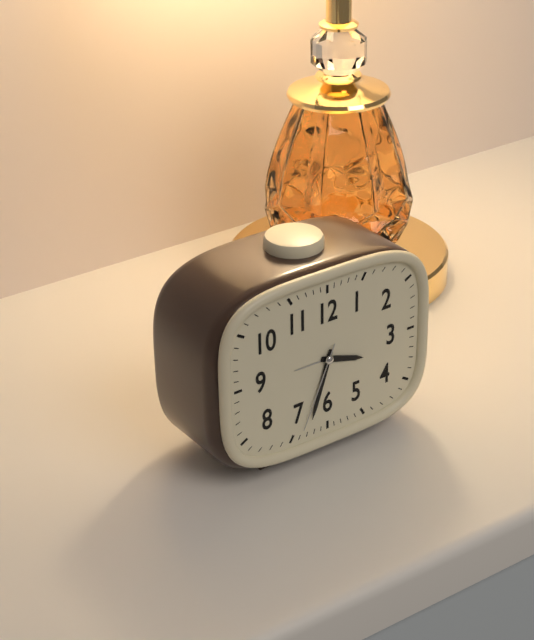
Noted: {"hour": 3, "minute": 33, "second": 34}
